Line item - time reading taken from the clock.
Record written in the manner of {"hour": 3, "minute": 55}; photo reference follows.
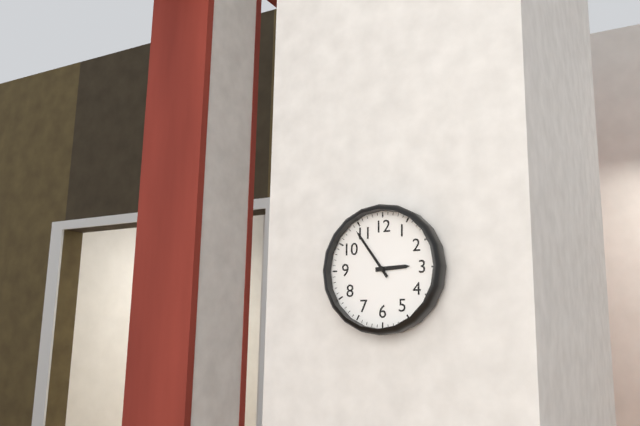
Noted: {"hour": 2, "minute": 54}
